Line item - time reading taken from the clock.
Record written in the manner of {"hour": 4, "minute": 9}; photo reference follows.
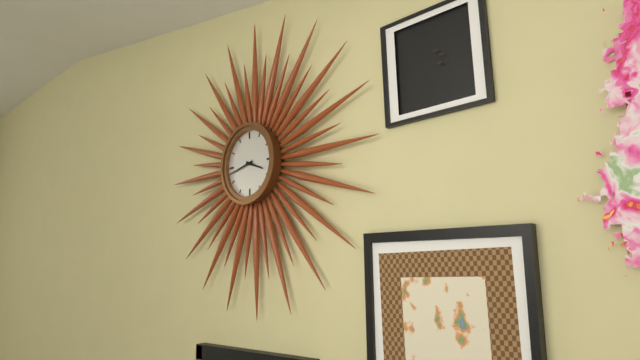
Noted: {"hour": 3, "minute": 43}
